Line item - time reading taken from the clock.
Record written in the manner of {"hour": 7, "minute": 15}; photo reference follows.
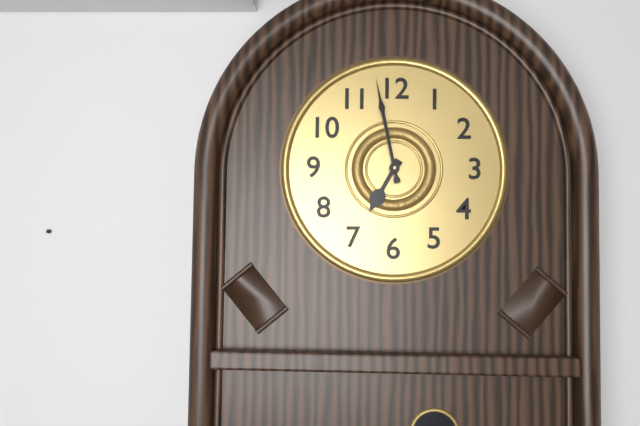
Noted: {"hour": 6, "minute": 58}
